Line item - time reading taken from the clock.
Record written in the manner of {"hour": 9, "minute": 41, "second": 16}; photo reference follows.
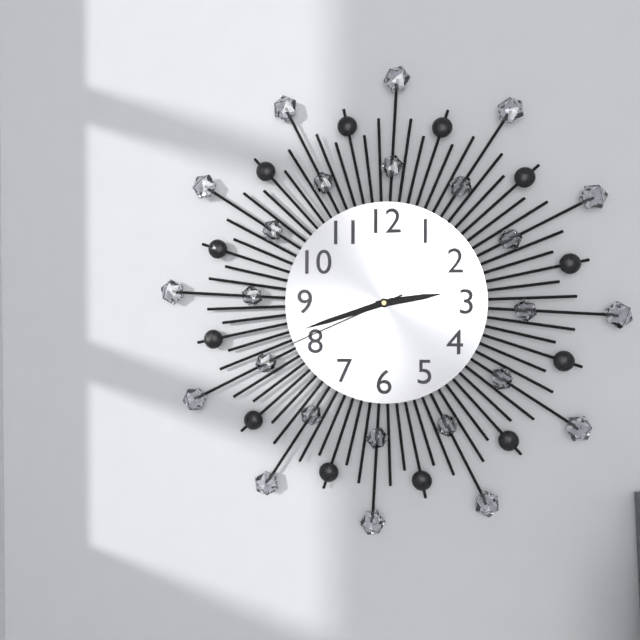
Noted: {"hour": 2, "minute": 42, "second": 41}
